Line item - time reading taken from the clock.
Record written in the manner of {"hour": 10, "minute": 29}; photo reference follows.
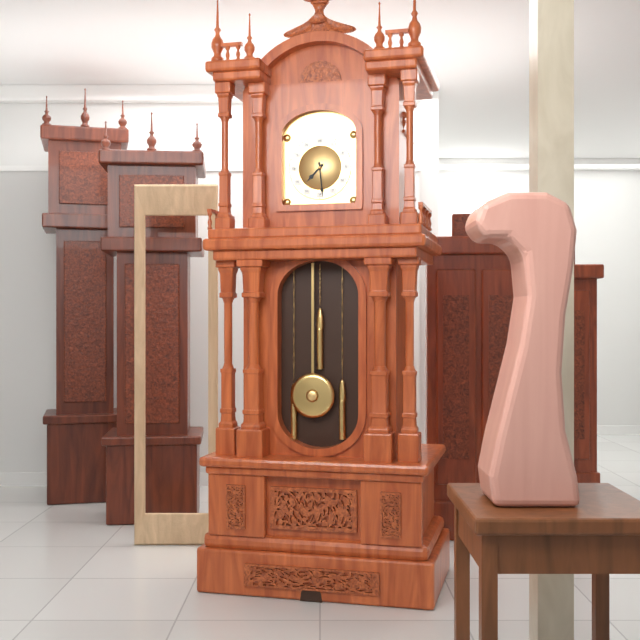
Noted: {"hour": 7, "minute": 29}
